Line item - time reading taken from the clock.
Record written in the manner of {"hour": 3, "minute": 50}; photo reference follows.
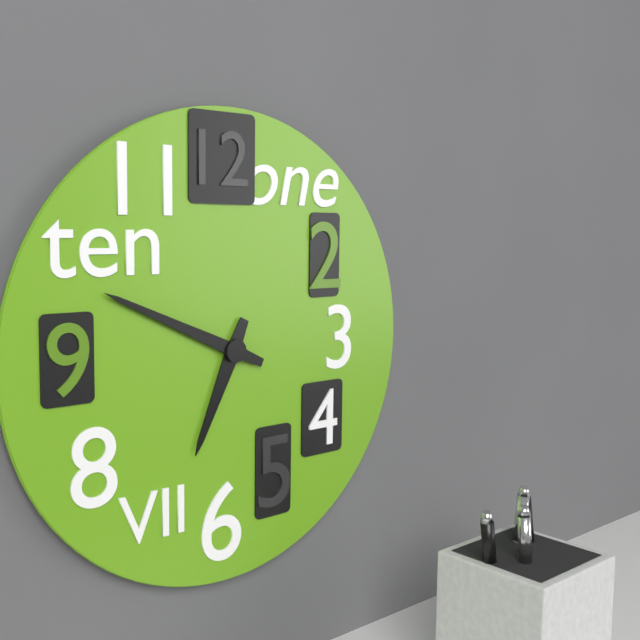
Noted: {"hour": 6, "minute": 49}
